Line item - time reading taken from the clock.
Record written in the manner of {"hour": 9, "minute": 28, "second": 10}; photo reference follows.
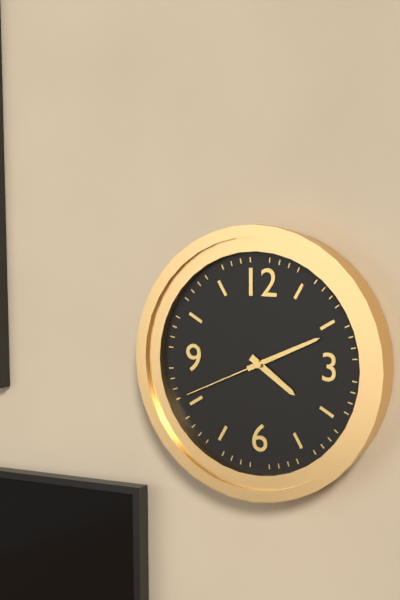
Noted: {"hour": 4, "minute": 11, "second": 41}
